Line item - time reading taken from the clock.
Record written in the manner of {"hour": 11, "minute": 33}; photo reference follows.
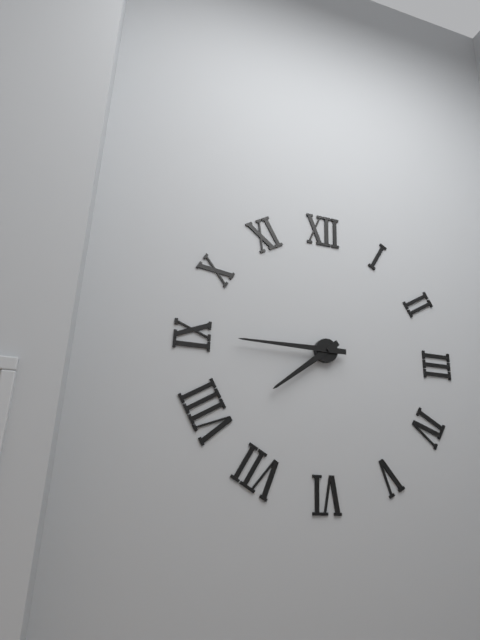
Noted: {"hour": 7, "minute": 45}
